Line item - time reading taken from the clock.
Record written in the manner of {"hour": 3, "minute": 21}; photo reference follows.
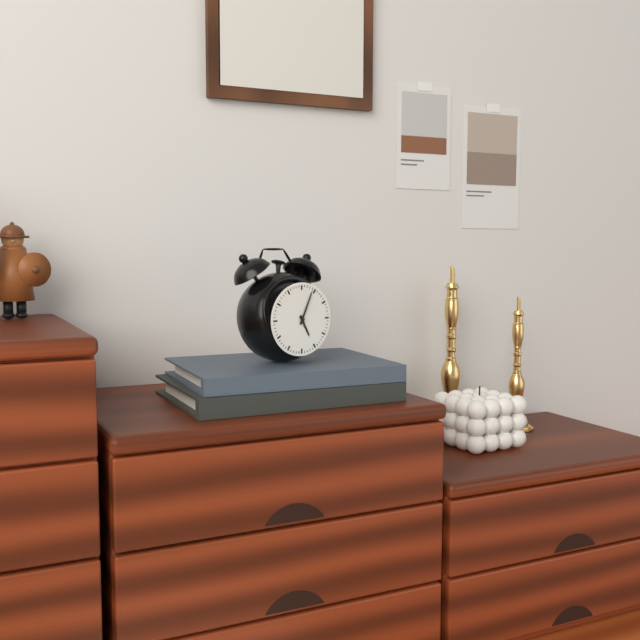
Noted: {"hour": 5, "minute": 4}
